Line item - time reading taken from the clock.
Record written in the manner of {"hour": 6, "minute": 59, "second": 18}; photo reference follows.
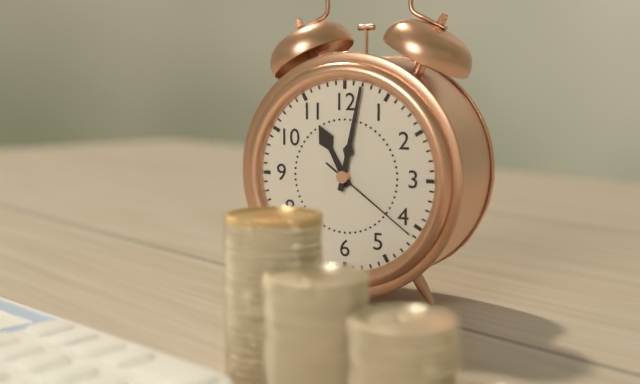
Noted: {"hour": 11, "minute": 2, "second": 21}
